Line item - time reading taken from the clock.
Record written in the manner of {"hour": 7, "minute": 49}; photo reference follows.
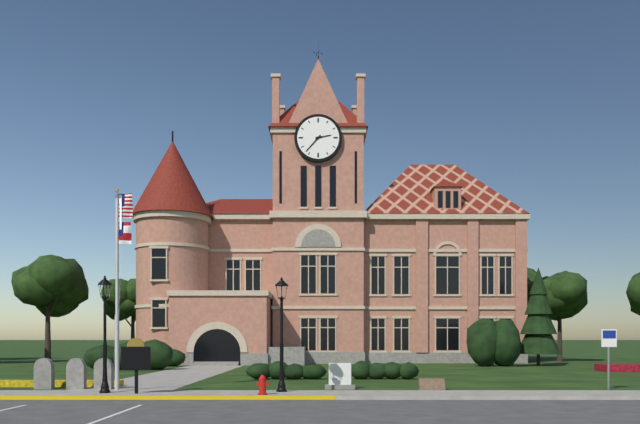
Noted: {"hour": 2, "minute": 37}
